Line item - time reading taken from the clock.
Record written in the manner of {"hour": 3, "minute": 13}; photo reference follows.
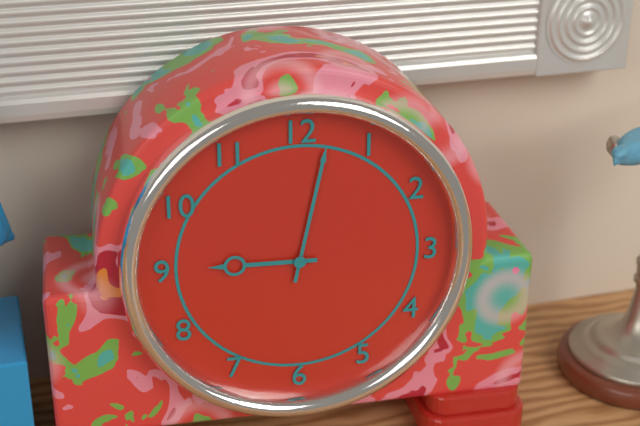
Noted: {"hour": 9, "minute": 2}
